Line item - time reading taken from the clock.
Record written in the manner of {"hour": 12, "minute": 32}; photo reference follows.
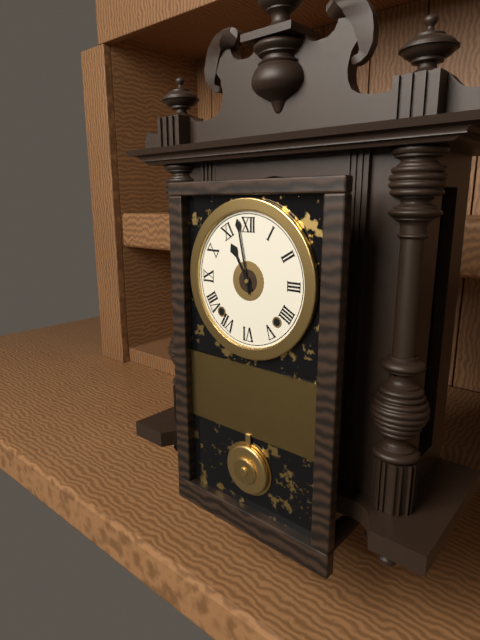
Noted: {"hour": 10, "minute": 58}
